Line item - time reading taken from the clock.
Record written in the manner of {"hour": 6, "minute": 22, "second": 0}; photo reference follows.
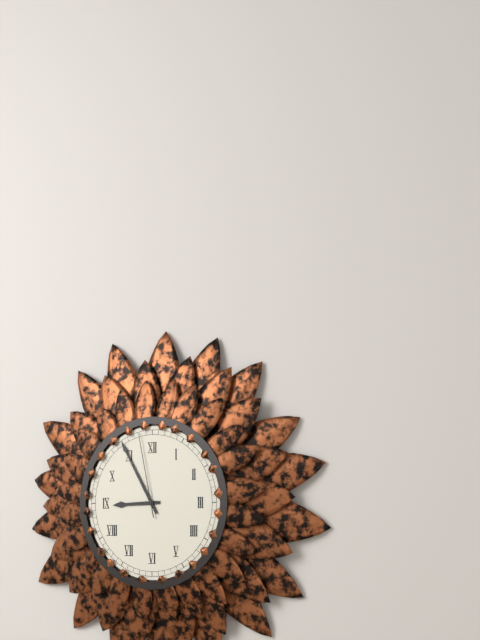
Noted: {"hour": 8, "minute": 55, "second": 58}
